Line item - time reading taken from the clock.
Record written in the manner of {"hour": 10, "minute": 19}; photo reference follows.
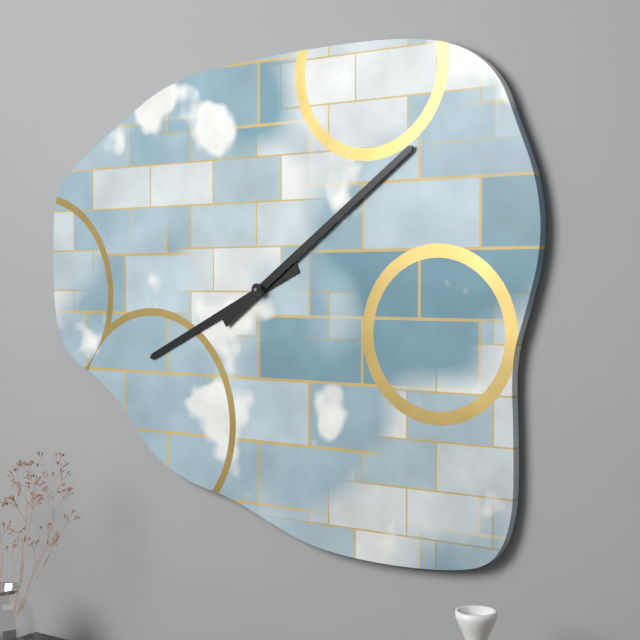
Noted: {"hour": 8, "minute": 9}
